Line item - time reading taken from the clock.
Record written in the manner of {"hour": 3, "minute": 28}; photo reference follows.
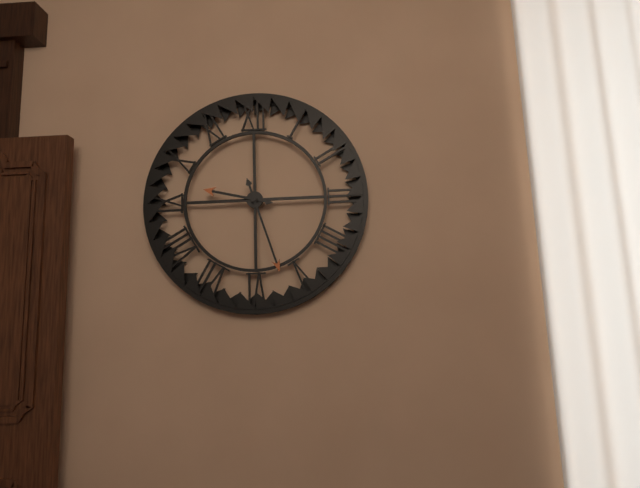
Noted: {"hour": 9, "minute": 27}
